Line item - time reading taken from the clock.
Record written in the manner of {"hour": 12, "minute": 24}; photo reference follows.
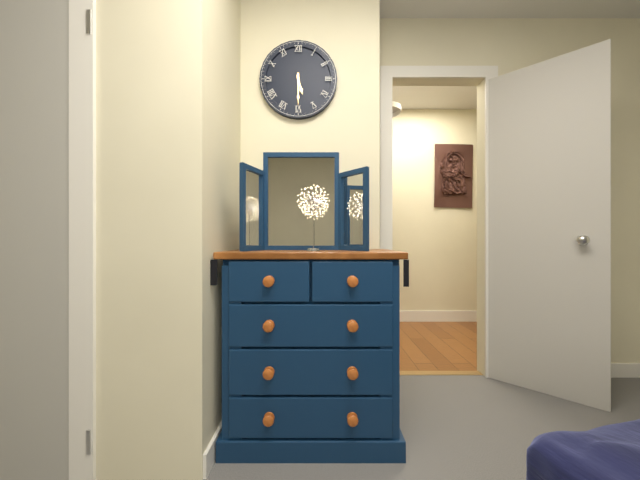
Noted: {"hour": 5, "minute": 30}
